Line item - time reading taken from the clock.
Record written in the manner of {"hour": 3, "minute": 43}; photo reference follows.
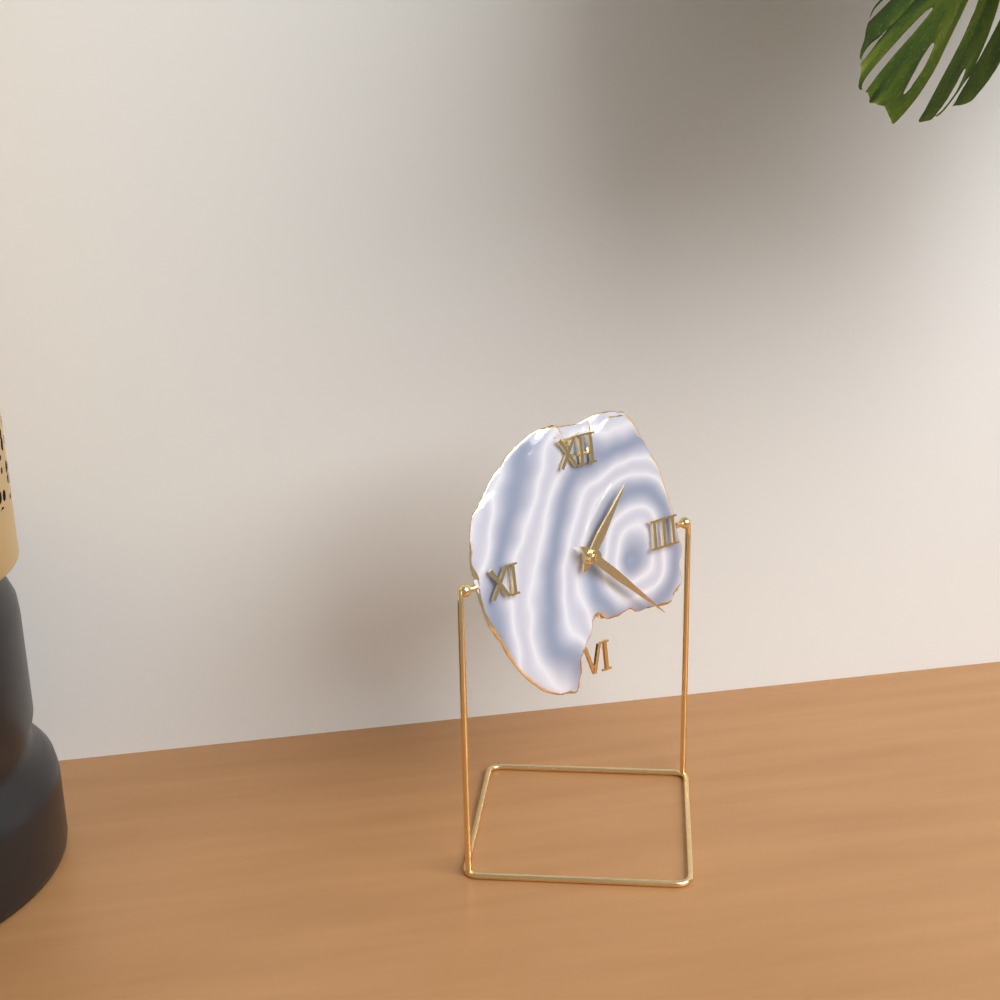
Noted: {"hour": 1, "minute": 22}
